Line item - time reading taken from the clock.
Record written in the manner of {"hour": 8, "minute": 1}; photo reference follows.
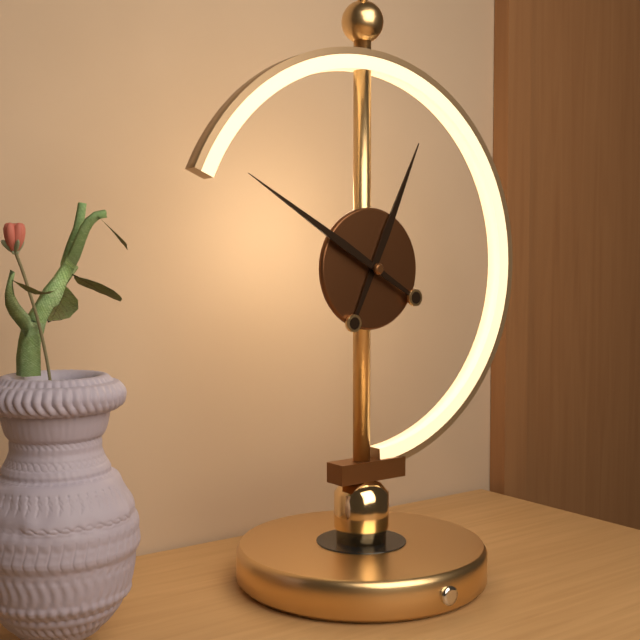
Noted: {"hour": 12, "minute": 50}
